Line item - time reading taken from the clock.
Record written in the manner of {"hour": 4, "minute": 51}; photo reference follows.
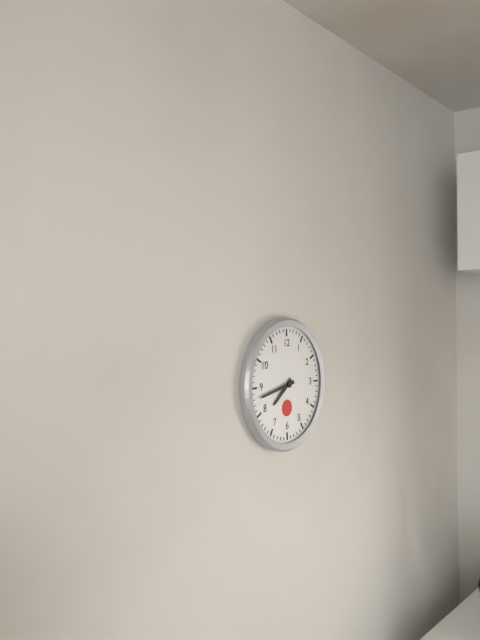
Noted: {"hour": 7, "minute": 43}
